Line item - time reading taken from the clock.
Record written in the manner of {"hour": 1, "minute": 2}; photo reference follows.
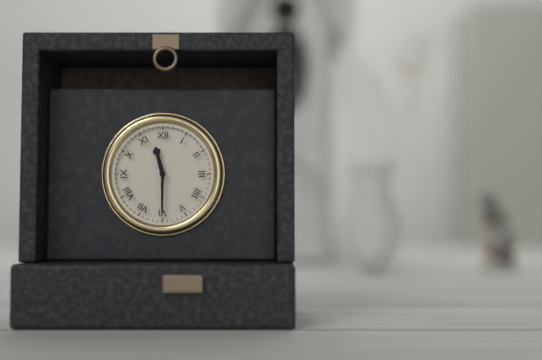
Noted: {"hour": 11, "minute": 30}
